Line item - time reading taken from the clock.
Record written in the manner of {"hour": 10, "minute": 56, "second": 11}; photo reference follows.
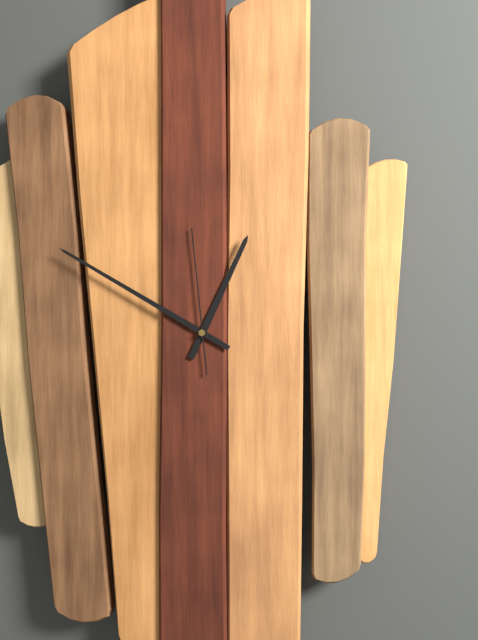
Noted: {"hour": 12, "minute": 50, "second": 59}
